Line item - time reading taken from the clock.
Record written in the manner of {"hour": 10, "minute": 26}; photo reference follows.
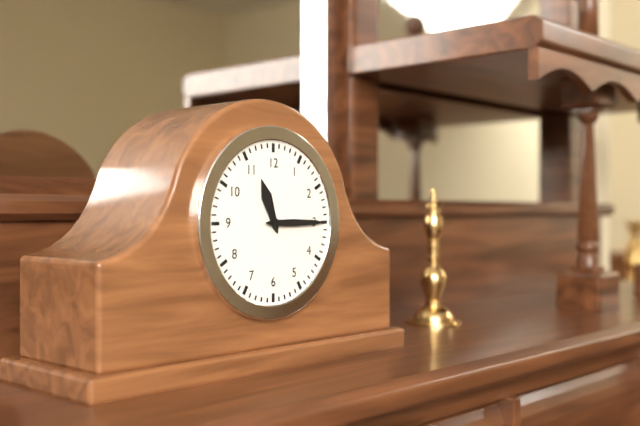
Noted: {"hour": 11, "minute": 15}
